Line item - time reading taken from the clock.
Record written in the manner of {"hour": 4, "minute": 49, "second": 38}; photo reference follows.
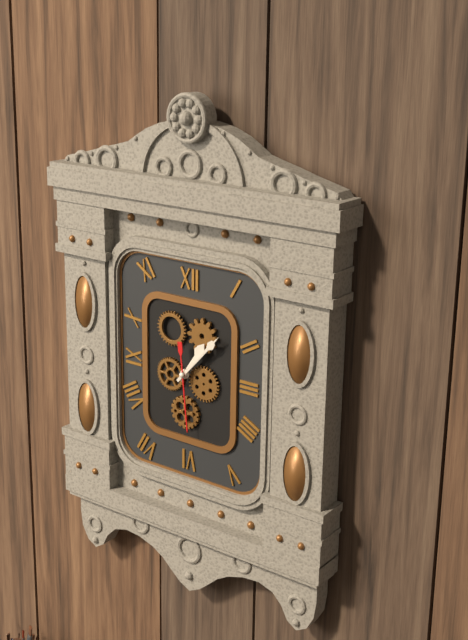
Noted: {"hour": 1, "minute": 7, "second": 29}
